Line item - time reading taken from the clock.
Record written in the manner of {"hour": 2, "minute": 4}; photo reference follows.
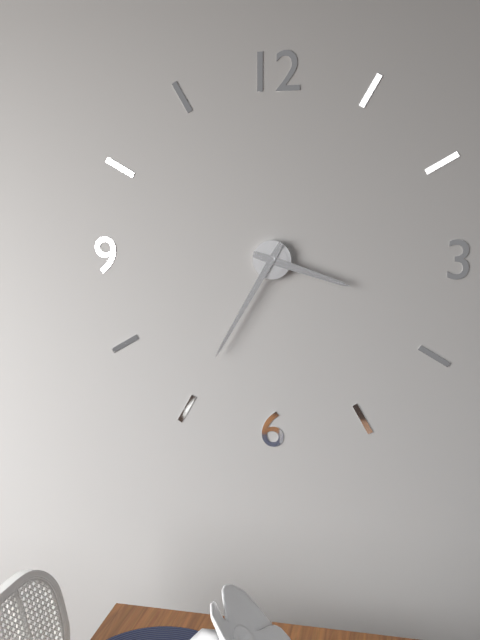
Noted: {"hour": 3, "minute": 35}
